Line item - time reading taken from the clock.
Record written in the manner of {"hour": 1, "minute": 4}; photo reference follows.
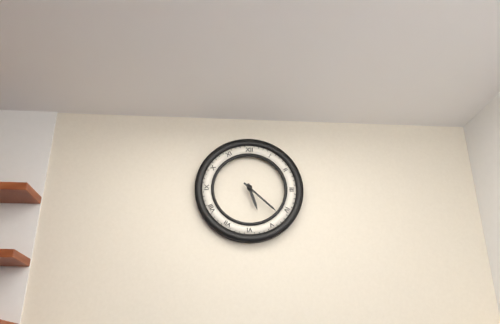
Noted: {"hour": 5, "minute": 22}
